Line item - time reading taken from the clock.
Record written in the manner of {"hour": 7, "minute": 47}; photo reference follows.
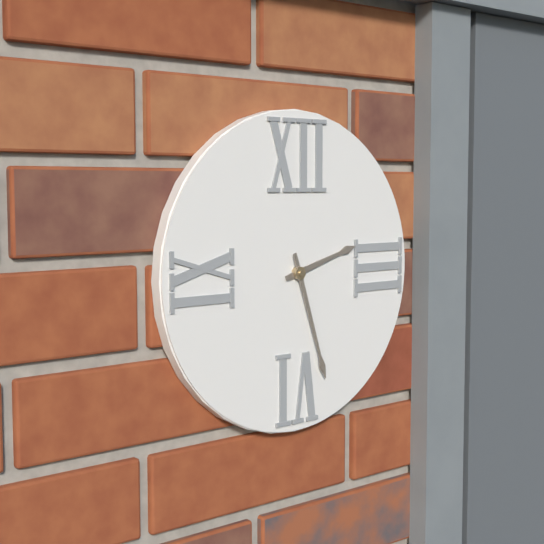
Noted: {"hour": 2, "minute": 27}
